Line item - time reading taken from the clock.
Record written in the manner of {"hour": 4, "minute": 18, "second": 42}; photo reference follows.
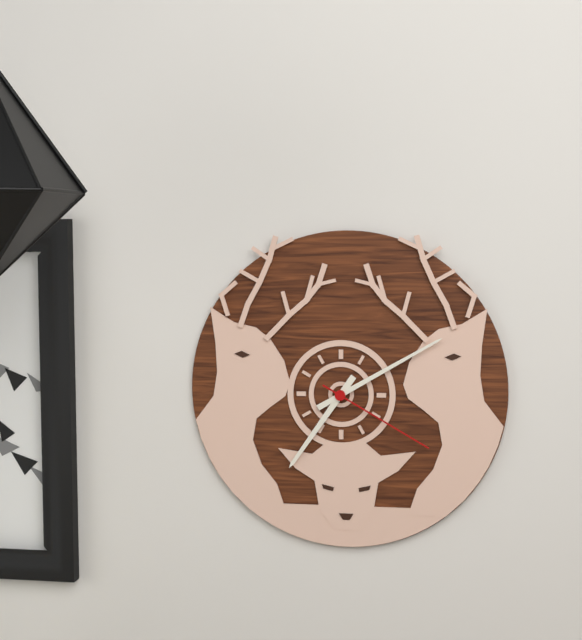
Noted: {"hour": 7, "minute": 10, "second": 20}
